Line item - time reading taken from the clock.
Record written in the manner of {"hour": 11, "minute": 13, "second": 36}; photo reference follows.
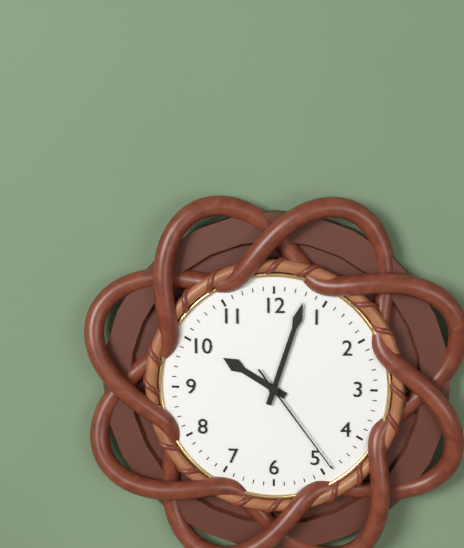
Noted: {"hour": 10, "minute": 3, "second": 24}
